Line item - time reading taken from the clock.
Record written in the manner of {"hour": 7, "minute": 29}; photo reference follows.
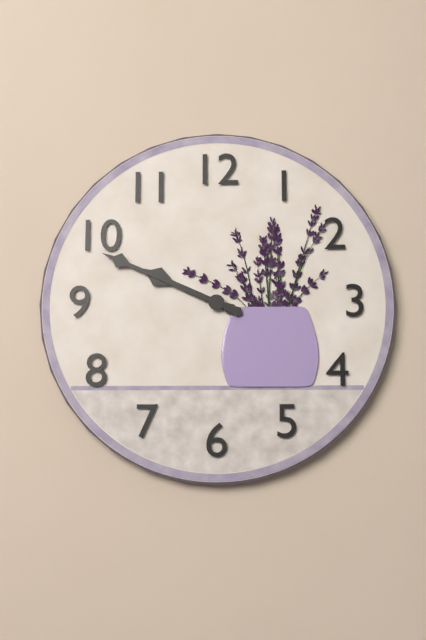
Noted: {"hour": 9, "minute": 49}
